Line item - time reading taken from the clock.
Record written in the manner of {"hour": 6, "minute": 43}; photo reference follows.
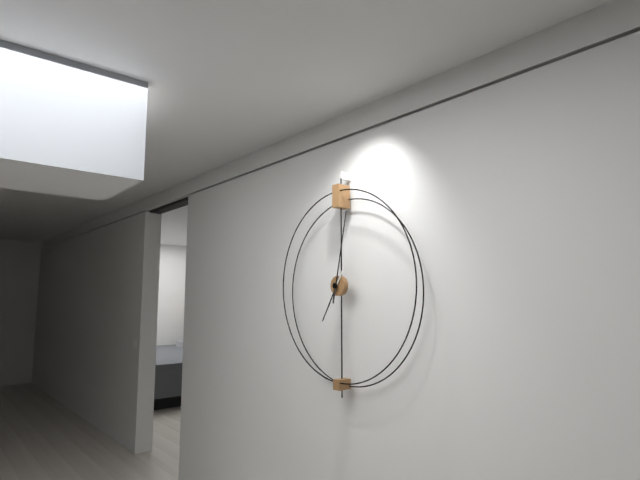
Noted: {"hour": 7, "minute": 2}
